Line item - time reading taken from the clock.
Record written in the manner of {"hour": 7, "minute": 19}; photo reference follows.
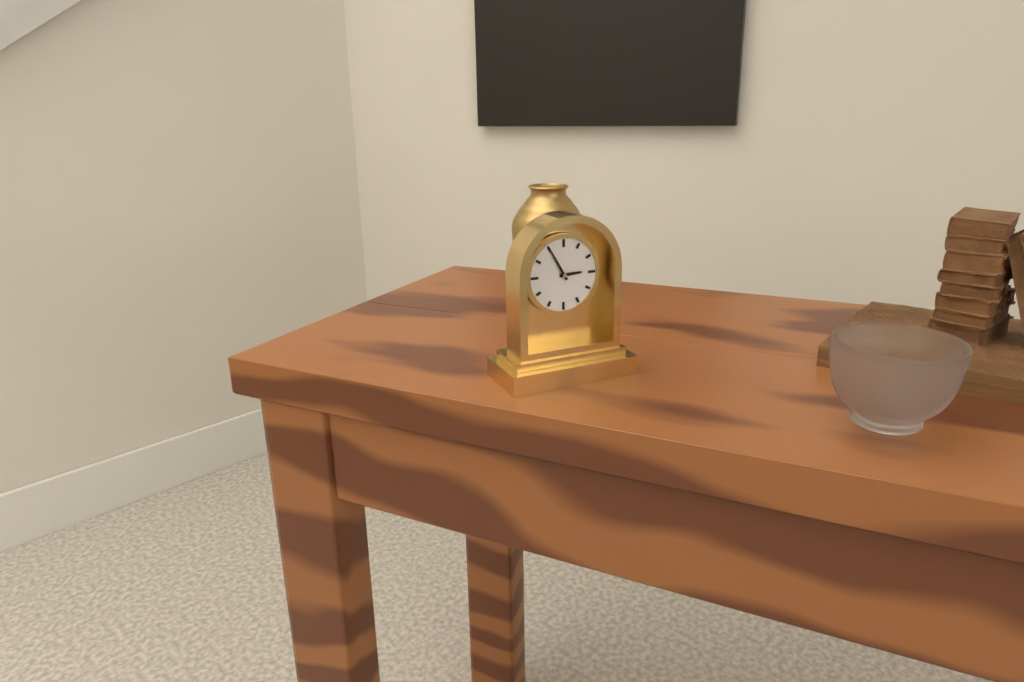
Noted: {"hour": 2, "minute": 55}
